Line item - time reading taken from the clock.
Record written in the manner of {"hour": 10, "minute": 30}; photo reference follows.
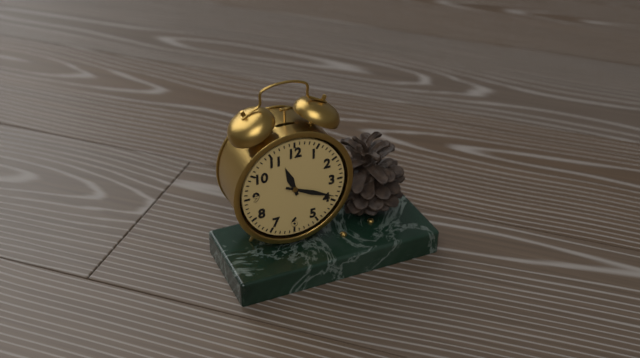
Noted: {"hour": 11, "minute": 19}
